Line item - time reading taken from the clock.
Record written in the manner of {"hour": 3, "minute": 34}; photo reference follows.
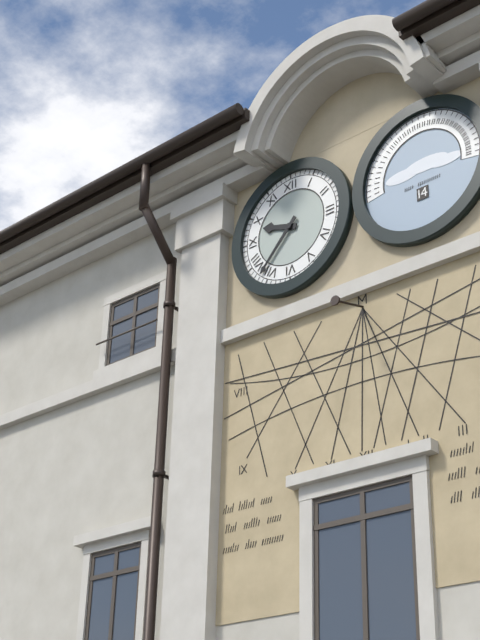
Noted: {"hour": 9, "minute": 37}
